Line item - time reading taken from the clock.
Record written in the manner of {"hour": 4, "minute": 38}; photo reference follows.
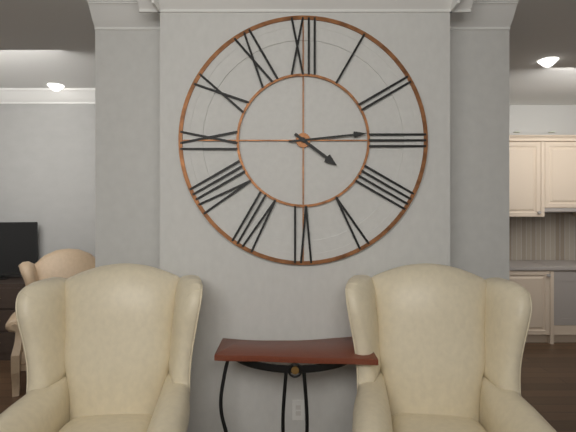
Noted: {"hour": 4, "minute": 14}
